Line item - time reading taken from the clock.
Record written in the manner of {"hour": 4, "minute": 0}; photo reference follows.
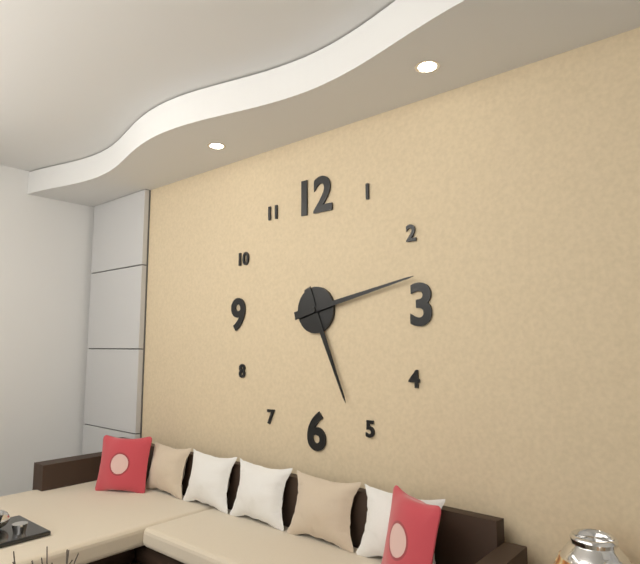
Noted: {"hour": 5, "minute": 13}
